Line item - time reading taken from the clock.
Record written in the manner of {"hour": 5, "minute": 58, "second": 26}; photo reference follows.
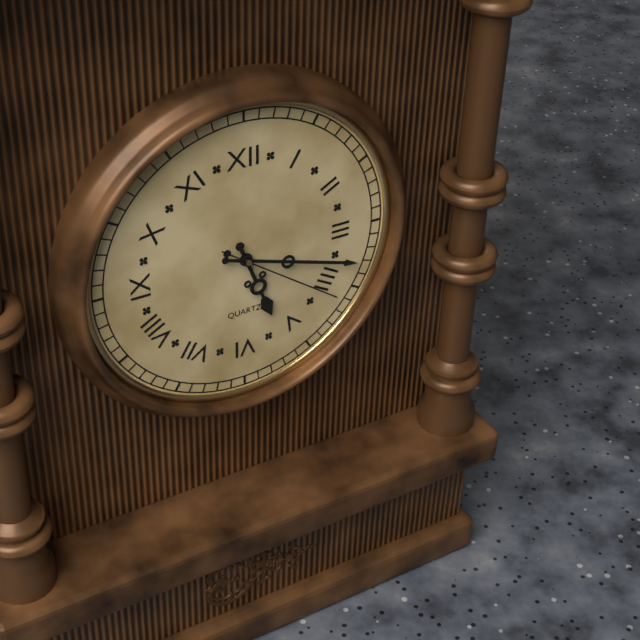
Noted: {"hour": 5, "minute": 18, "second": 21}
